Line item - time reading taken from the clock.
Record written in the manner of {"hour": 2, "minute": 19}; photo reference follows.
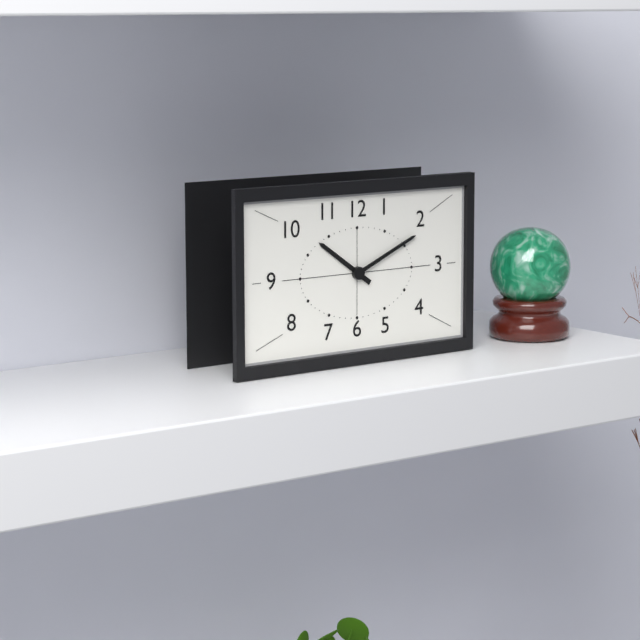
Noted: {"hour": 10, "minute": 11}
